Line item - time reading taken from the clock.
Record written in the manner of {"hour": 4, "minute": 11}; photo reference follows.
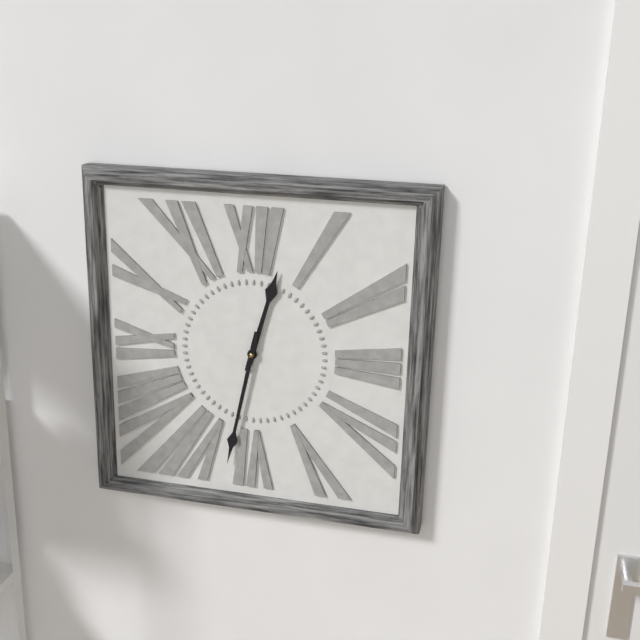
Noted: {"hour": 12, "minute": 32}
